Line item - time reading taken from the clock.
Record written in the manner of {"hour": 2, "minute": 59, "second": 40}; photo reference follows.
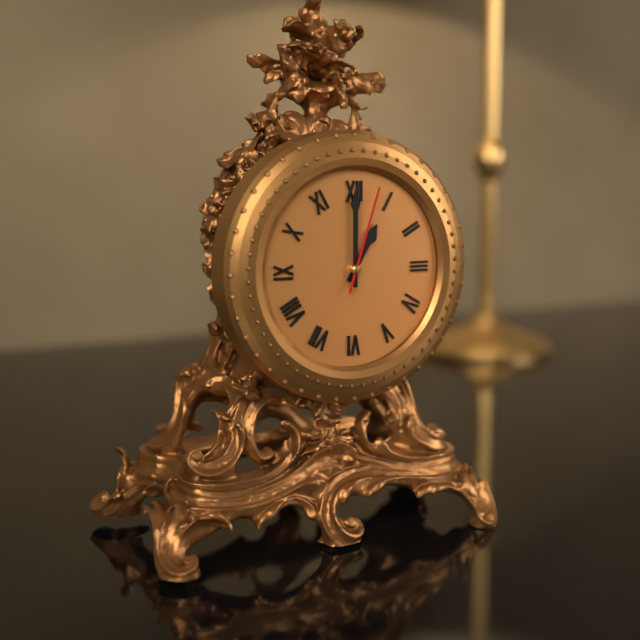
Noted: {"hour": 1, "minute": 0, "second": 3}
